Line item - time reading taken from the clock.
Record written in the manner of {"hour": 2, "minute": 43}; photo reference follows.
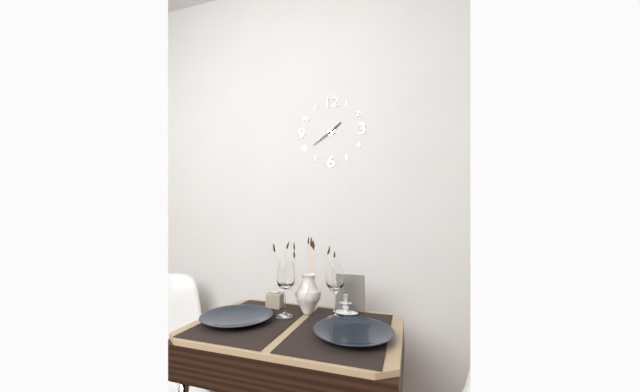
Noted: {"hour": 1, "minute": 39}
